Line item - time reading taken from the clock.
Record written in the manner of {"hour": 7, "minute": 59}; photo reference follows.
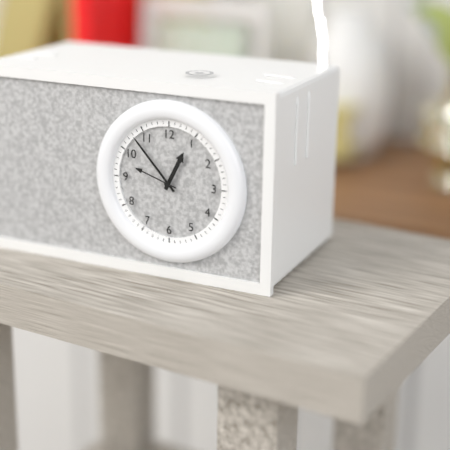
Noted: {"hour": 12, "minute": 53}
